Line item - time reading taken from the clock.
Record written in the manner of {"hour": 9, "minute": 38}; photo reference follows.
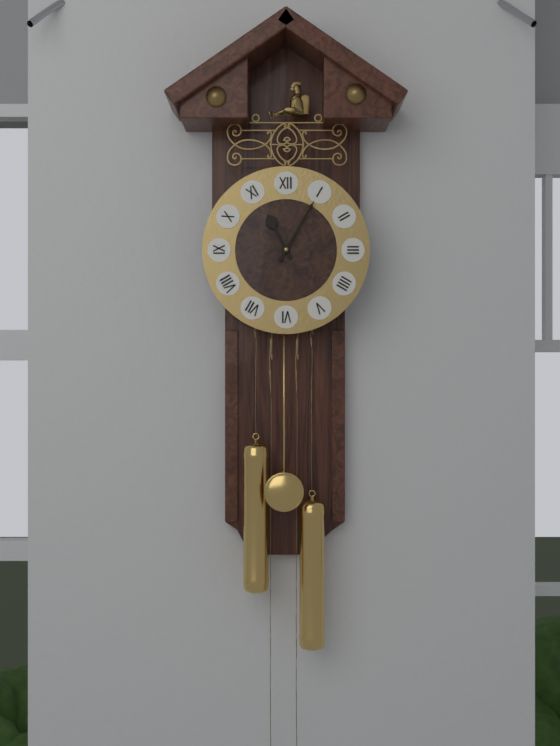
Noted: {"hour": 11, "minute": 5}
